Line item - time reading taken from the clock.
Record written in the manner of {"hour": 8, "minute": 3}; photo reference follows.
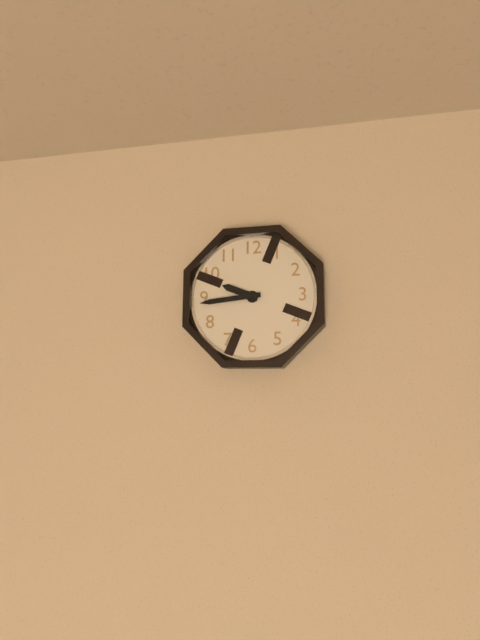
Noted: {"hour": 9, "minute": 44}
